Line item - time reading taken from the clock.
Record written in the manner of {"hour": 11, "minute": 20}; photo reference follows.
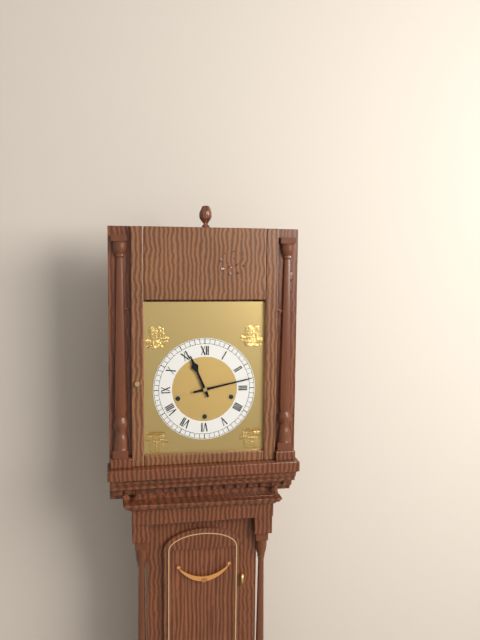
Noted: {"hour": 11, "minute": 13}
